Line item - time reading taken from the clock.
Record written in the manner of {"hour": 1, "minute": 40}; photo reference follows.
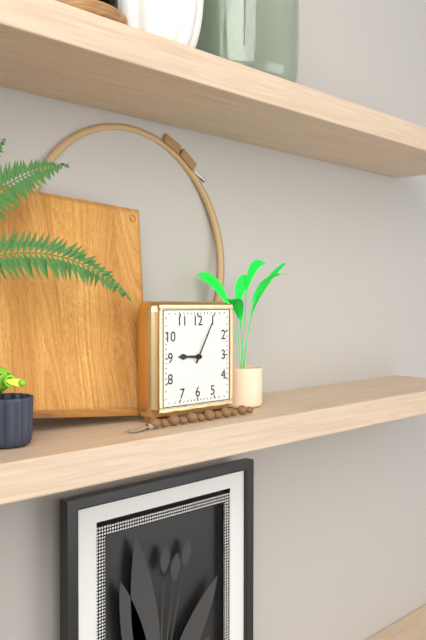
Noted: {"hour": 9, "minute": 5}
